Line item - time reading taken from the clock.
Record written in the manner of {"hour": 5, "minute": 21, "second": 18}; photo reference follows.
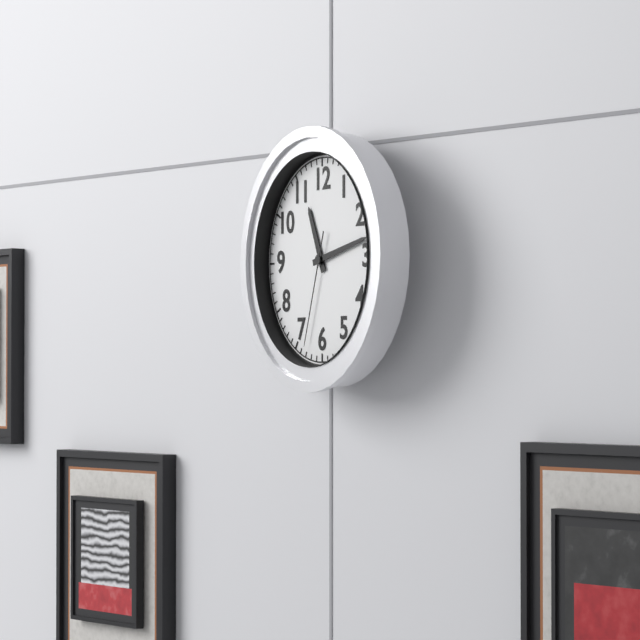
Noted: {"hour": 11, "minute": 13, "second": 33}
